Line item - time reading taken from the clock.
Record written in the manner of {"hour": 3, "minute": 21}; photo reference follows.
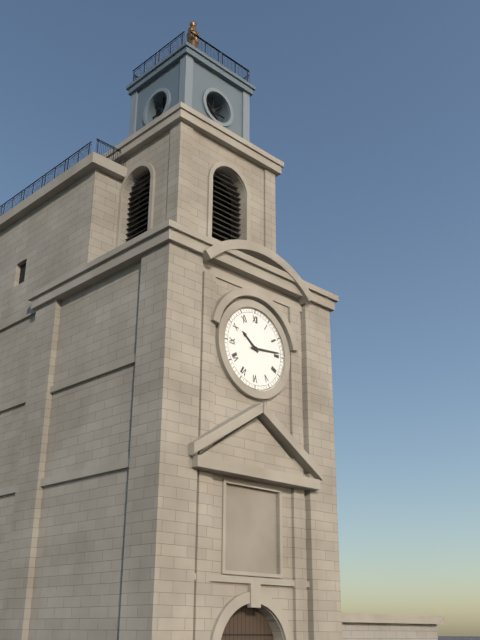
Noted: {"hour": 10, "minute": 14}
